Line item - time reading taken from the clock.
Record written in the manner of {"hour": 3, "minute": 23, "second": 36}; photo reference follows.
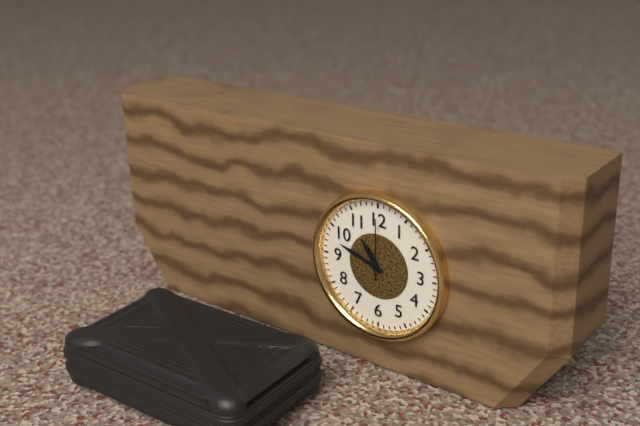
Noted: {"hour": 10, "minute": 48, "second": 0}
